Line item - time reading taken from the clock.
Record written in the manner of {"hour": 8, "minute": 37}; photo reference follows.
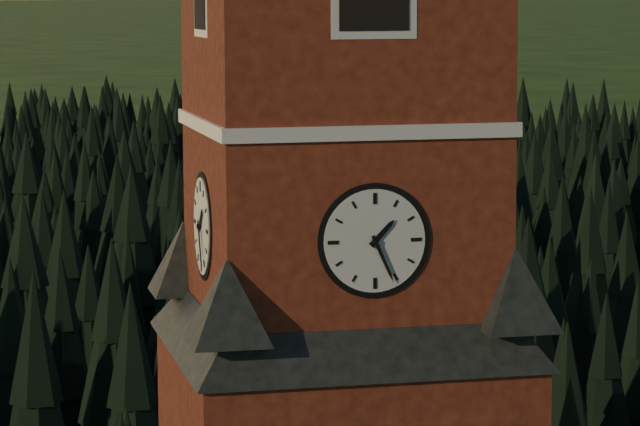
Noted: {"hour": 1, "minute": 26}
